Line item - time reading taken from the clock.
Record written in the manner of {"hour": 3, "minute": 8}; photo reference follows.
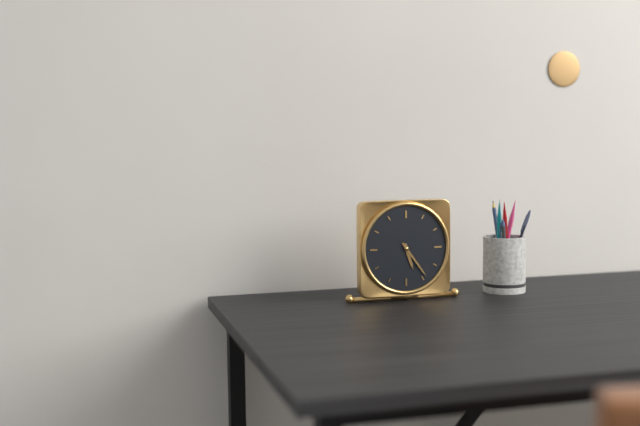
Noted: {"hour": 5, "minute": 24}
